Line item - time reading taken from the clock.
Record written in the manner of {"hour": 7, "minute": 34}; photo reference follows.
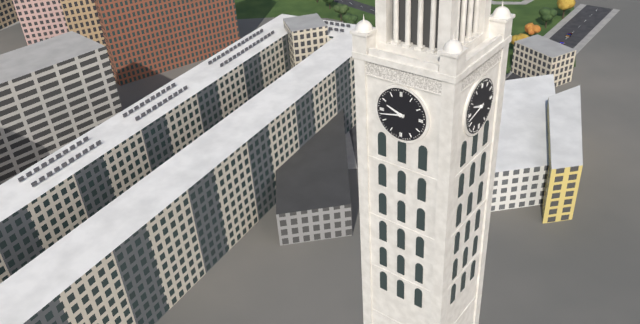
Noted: {"hour": 9, "minute": 43}
